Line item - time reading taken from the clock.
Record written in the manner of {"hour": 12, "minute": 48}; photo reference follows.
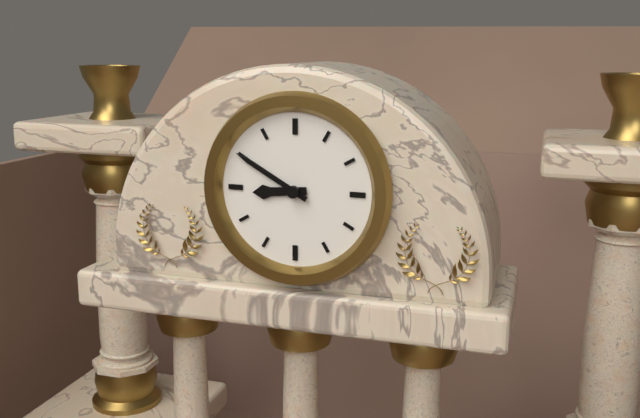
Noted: {"hour": 8, "minute": 50}
